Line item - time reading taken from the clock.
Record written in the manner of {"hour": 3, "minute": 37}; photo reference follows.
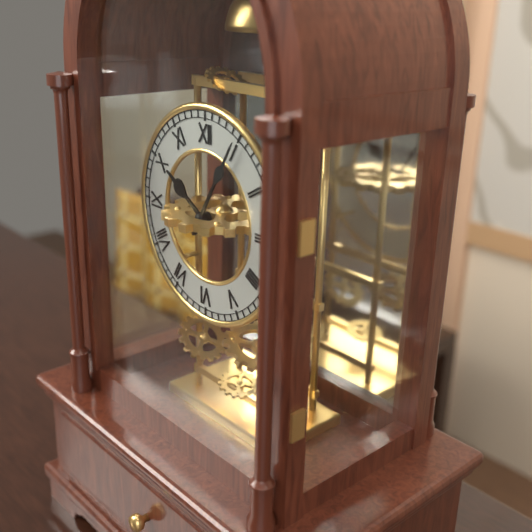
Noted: {"hour": 10, "minute": 5}
